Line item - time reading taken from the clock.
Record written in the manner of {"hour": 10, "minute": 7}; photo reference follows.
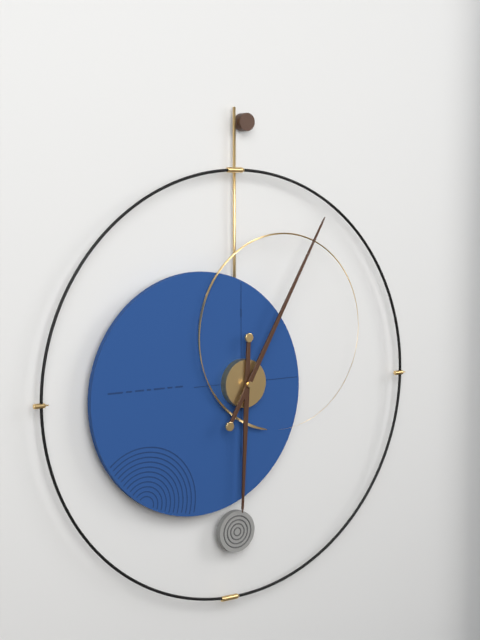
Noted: {"hour": 6, "minute": 5}
